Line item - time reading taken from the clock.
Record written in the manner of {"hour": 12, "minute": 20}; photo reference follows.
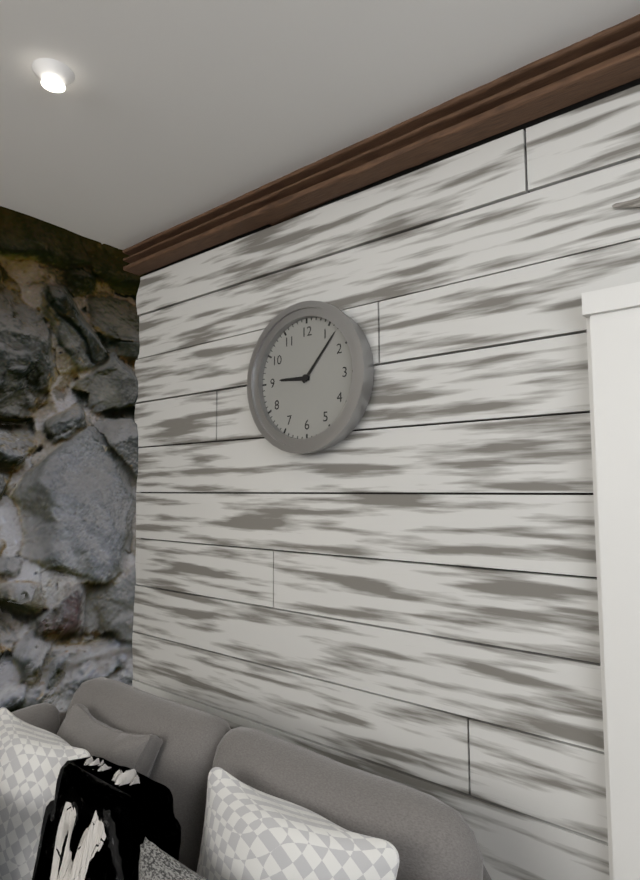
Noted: {"hour": 9, "minute": 7}
